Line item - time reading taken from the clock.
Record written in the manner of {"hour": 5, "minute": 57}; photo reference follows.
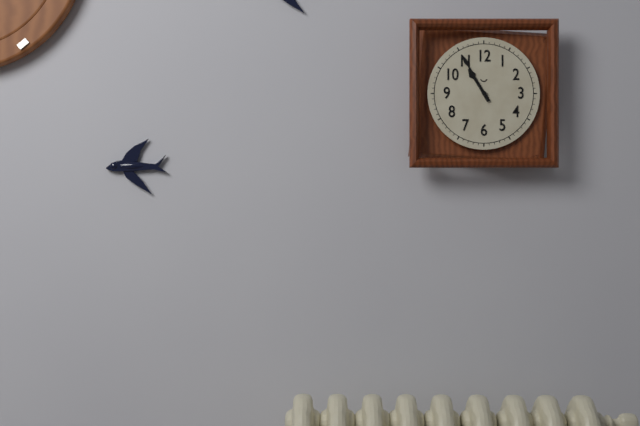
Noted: {"hour": 10, "minute": 55}
